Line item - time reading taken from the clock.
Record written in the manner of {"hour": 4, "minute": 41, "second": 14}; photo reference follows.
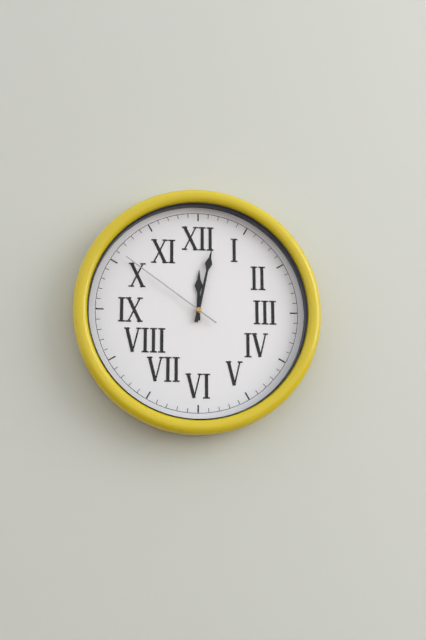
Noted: {"hour": 12, "minute": 2, "second": 51}
